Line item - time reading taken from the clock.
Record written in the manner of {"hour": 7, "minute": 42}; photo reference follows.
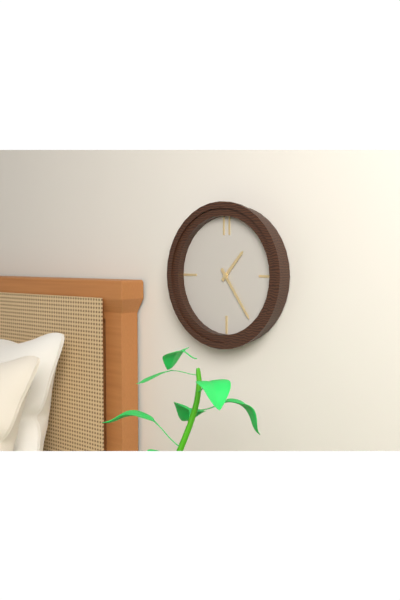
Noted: {"hour": 1, "minute": 24}
